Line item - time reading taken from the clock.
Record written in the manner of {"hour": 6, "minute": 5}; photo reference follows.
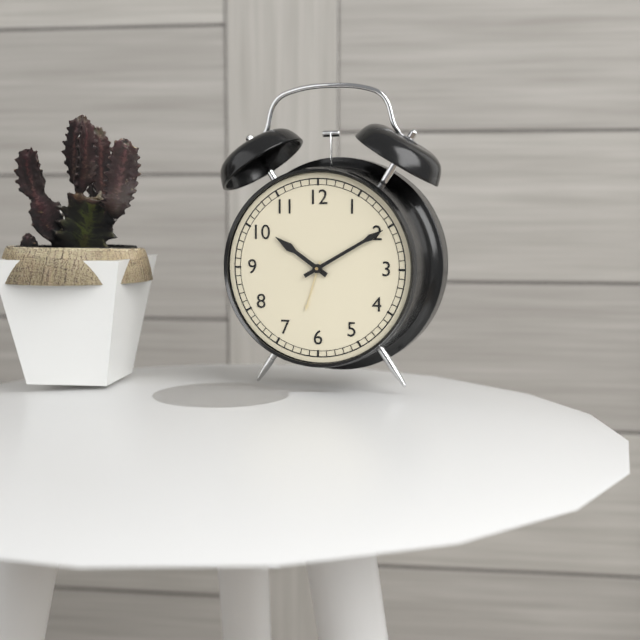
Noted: {"hour": 10, "minute": 10}
